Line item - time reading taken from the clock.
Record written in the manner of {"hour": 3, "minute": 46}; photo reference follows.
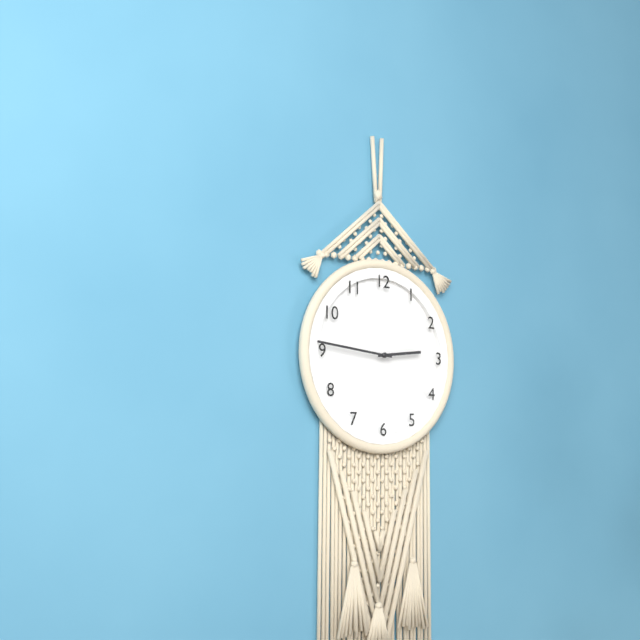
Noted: {"hour": 2, "minute": 46}
